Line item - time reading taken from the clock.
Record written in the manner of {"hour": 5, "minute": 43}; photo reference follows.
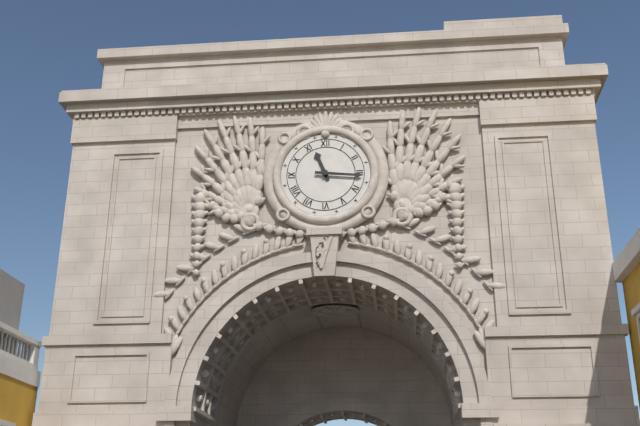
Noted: {"hour": 11, "minute": 16}
